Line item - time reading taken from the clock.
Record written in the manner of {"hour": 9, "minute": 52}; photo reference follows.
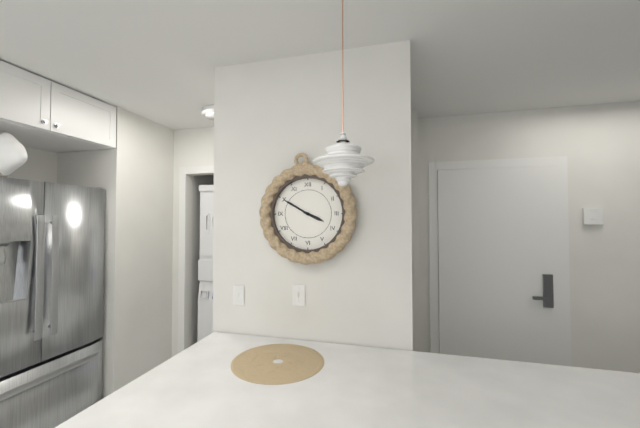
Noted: {"hour": 3, "minute": 50}
